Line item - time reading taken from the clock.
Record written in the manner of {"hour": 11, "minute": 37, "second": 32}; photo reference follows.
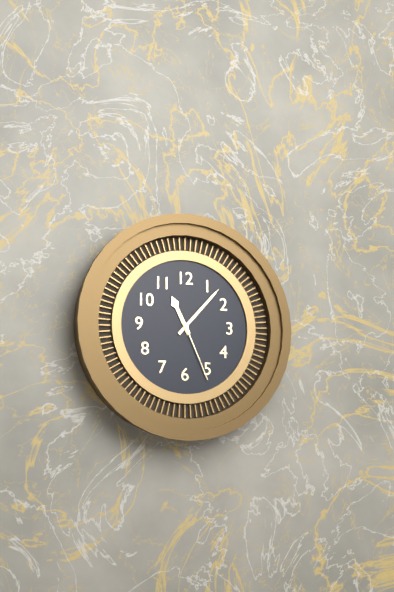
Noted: {"hour": 11, "minute": 7, "second": 26}
